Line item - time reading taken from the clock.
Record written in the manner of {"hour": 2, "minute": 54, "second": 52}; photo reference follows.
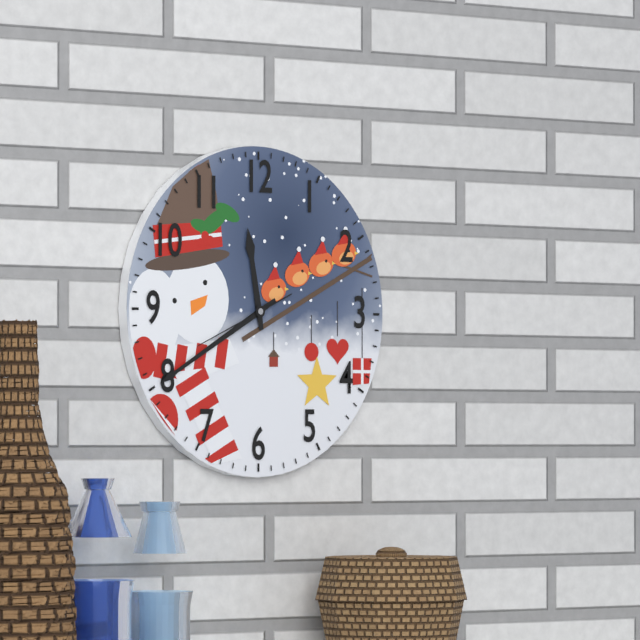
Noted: {"hour": 11, "minute": 40, "second": 41}
